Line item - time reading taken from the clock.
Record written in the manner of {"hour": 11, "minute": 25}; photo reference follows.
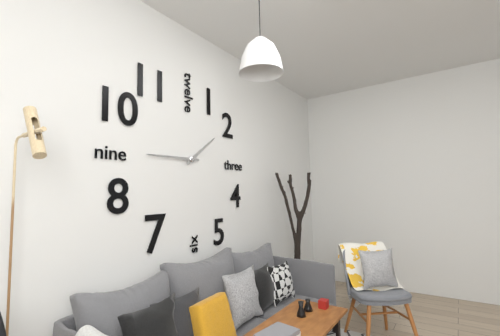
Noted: {"hour": 1, "minute": 45}
